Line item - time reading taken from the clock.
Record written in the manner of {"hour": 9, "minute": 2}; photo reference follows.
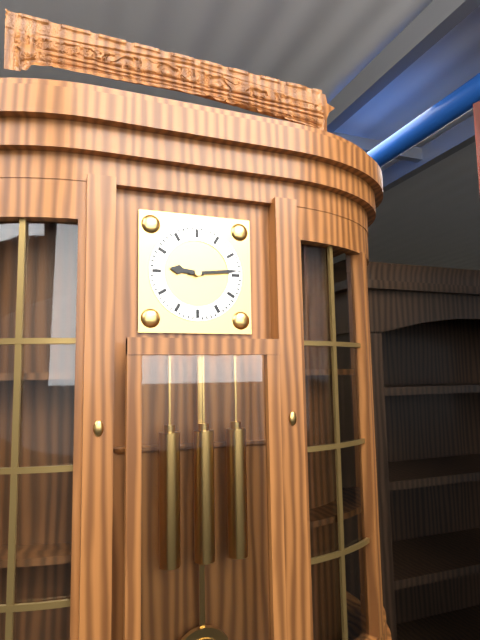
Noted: {"hour": 9, "minute": 14}
